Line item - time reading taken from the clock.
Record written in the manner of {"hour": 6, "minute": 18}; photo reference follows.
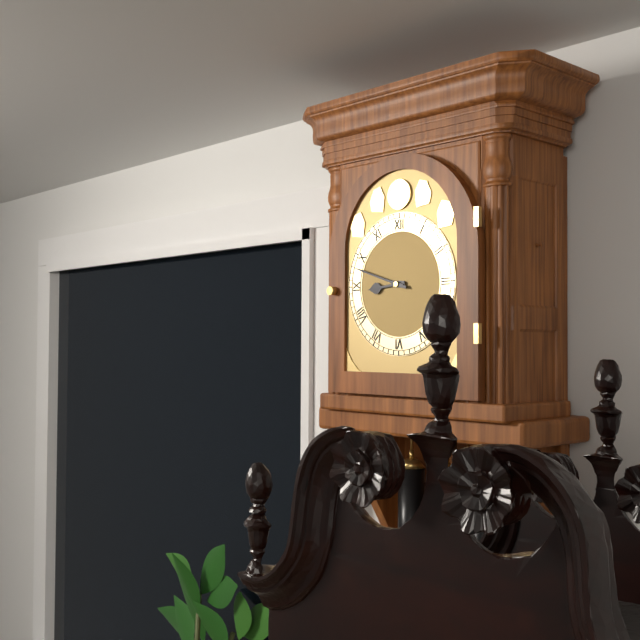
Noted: {"hour": 8, "minute": 48}
